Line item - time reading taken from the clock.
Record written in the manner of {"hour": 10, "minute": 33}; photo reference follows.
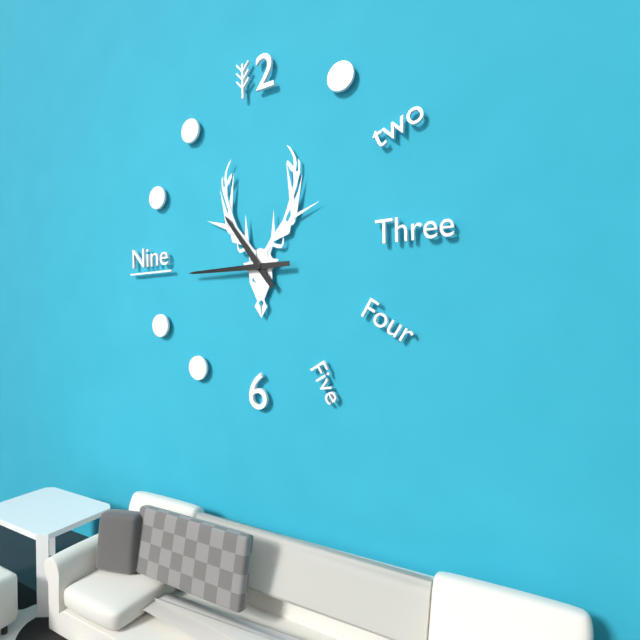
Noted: {"hour": 10, "minute": 45}
